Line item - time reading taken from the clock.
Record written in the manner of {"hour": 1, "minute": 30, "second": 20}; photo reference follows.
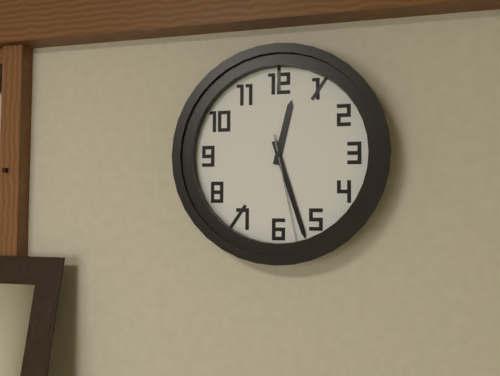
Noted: {"hour": 12, "minute": 27, "second": 28}
